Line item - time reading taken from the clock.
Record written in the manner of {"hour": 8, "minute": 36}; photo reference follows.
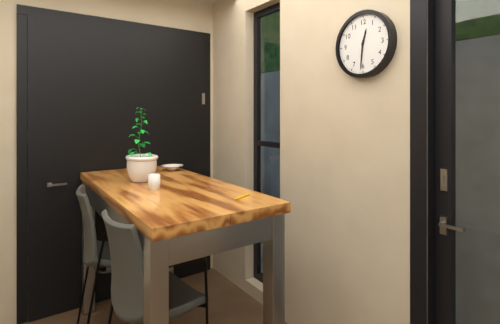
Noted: {"hour": 12, "minute": 31}
